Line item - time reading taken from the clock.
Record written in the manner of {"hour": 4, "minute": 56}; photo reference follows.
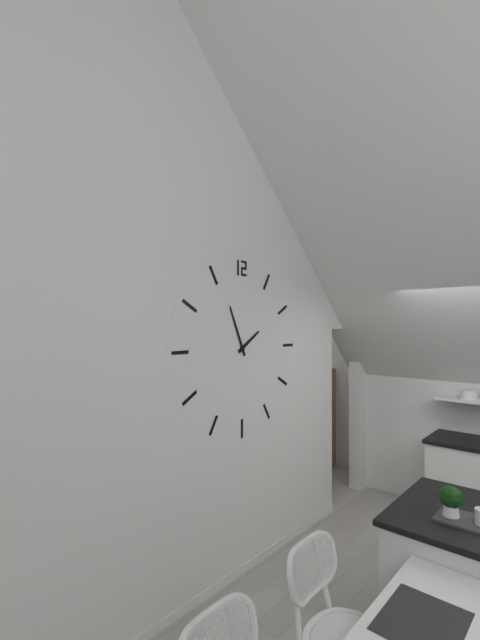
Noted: {"hour": 1, "minute": 56}
